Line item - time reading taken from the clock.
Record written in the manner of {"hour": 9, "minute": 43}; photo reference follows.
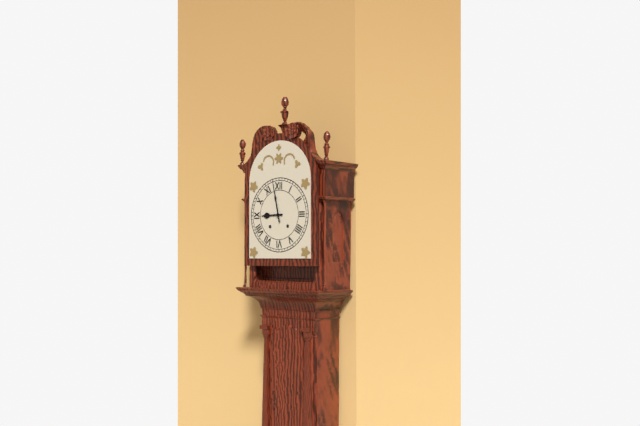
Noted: {"hour": 8, "minute": 58}
